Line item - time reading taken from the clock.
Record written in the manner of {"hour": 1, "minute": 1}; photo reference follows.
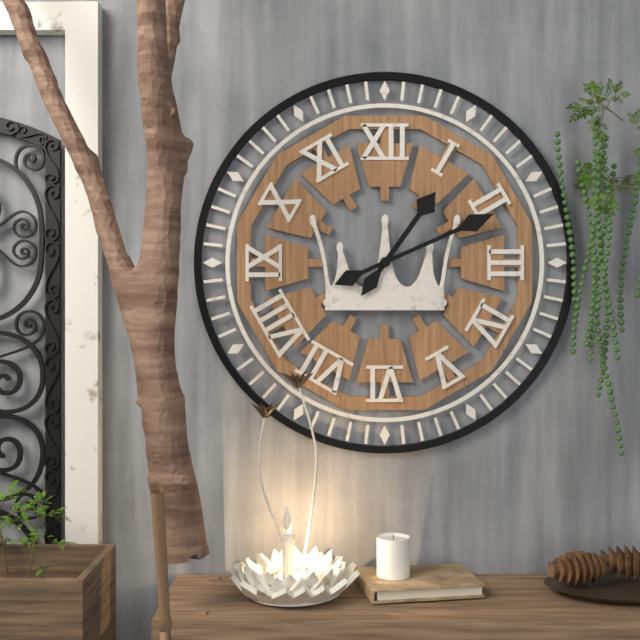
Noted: {"hour": 1, "minute": 11}
